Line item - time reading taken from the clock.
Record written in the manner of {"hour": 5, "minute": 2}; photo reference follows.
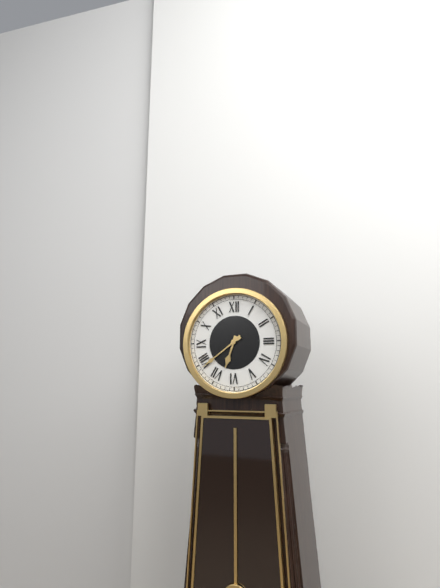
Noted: {"hour": 6, "minute": 39}
